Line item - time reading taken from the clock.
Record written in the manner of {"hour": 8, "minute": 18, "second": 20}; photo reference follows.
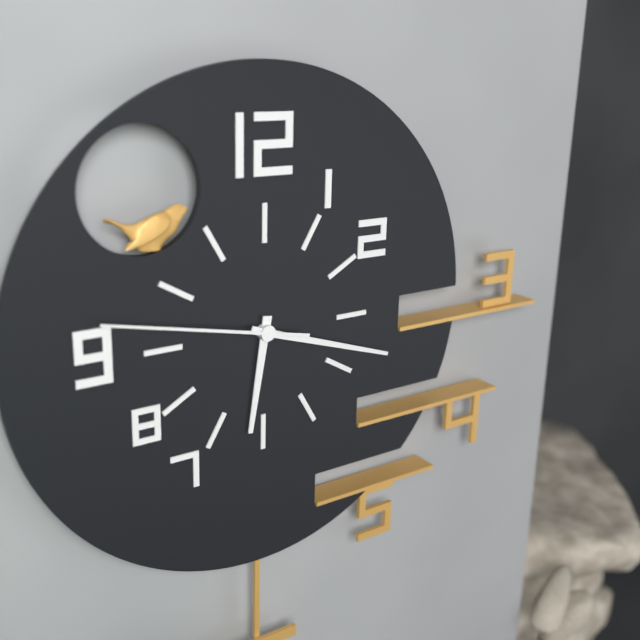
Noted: {"hour": 6, "minute": 18, "second": 47}
